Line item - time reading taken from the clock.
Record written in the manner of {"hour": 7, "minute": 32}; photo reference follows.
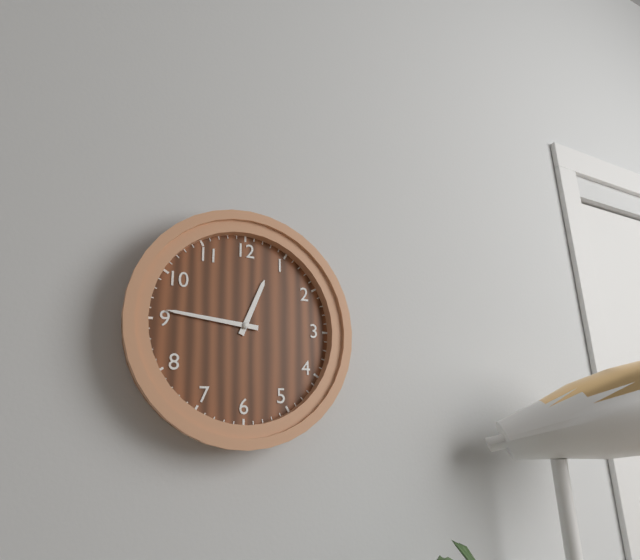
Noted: {"hour": 12, "minute": 46}
